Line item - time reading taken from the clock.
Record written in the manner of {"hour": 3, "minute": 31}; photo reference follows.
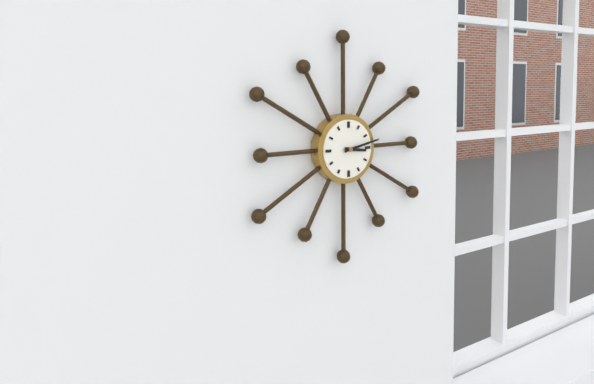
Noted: {"hour": 3, "minute": 13}
